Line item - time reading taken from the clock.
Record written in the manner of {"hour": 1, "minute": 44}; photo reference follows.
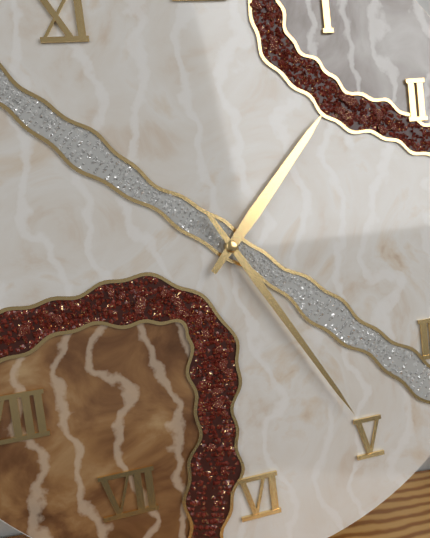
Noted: {"hour": 1, "minute": 25}
